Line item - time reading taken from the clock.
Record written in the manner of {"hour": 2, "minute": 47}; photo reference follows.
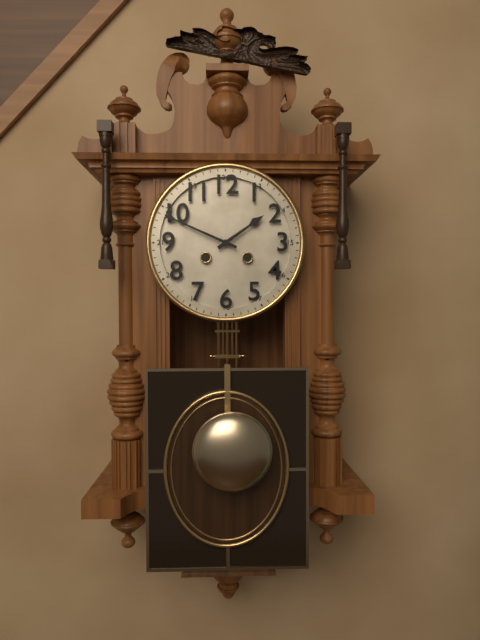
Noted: {"hour": 1, "minute": 49}
